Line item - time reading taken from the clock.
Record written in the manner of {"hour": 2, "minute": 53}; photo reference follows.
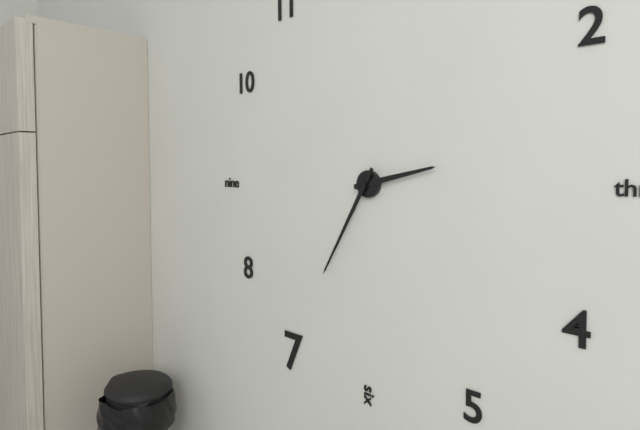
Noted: {"hour": 2, "minute": 35}
